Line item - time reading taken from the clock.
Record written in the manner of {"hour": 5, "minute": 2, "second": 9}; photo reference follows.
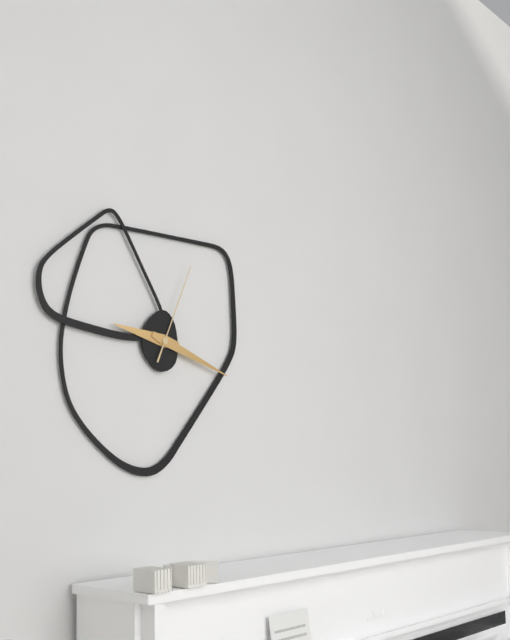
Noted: {"hour": 9, "minute": 18, "second": 4}
